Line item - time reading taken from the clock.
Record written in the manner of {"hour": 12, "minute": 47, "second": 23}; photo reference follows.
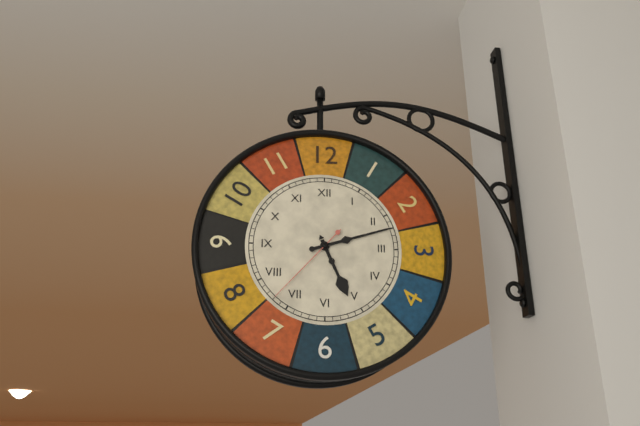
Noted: {"hour": 5, "minute": 12, "second": 37}
